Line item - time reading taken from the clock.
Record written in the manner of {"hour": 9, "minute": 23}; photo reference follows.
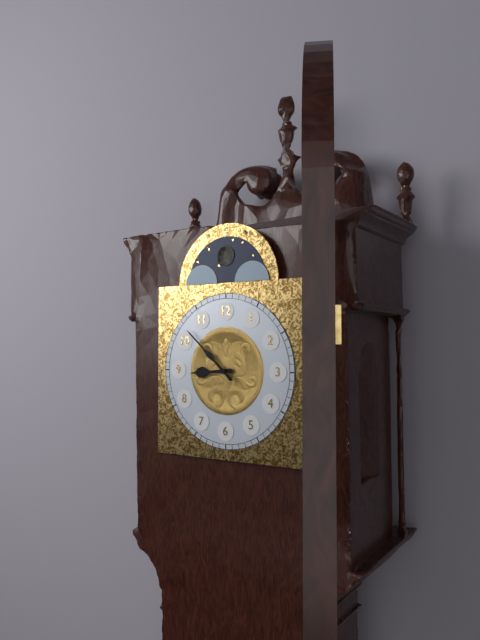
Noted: {"hour": 8, "minute": 52}
